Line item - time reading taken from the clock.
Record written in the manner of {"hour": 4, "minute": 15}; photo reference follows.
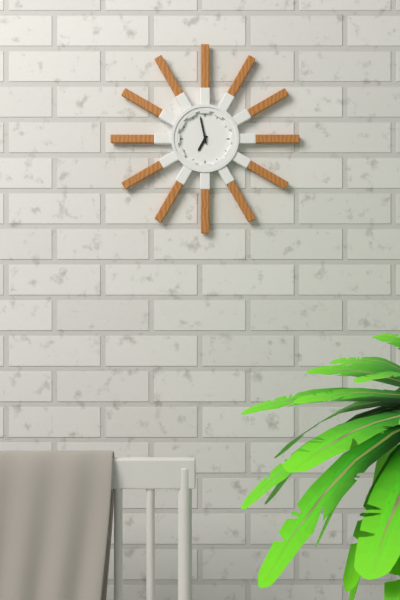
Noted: {"hour": 6, "minute": 58}
